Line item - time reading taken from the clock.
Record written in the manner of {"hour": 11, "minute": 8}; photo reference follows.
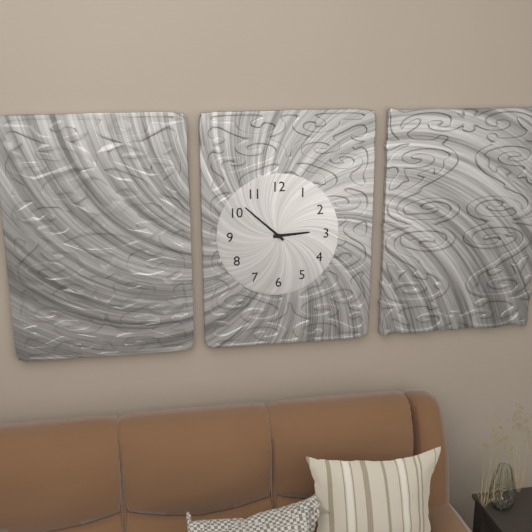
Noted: {"hour": 2, "minute": 52}
